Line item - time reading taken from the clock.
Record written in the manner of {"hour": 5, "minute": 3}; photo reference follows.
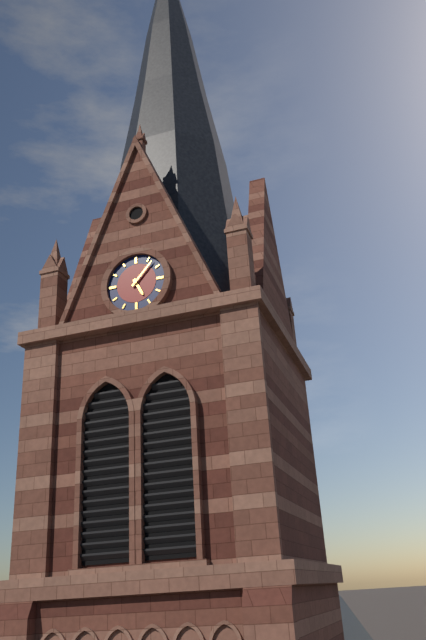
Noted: {"hour": 5, "minute": 7}
